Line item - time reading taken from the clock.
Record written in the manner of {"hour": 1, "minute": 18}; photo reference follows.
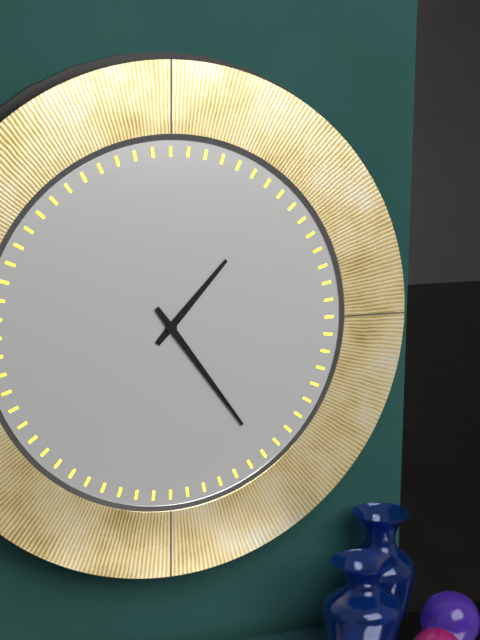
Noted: {"hour": 1, "minute": 24}
